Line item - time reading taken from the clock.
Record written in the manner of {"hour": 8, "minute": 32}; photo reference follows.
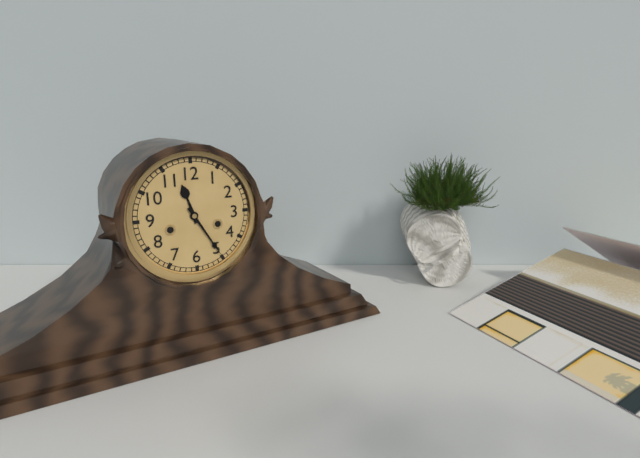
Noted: {"hour": 11, "minute": 25}
